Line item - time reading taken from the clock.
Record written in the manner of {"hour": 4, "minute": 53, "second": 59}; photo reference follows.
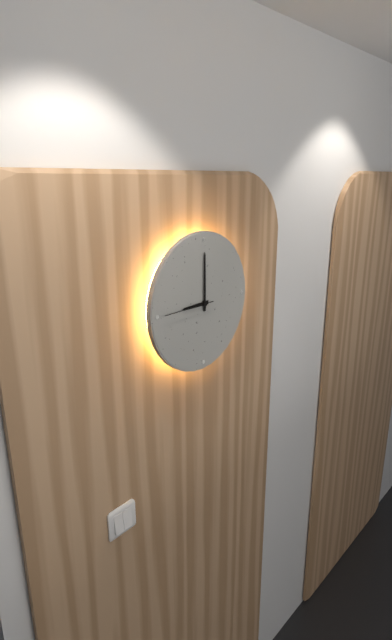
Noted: {"hour": 9, "minute": 0, "second": 45}
